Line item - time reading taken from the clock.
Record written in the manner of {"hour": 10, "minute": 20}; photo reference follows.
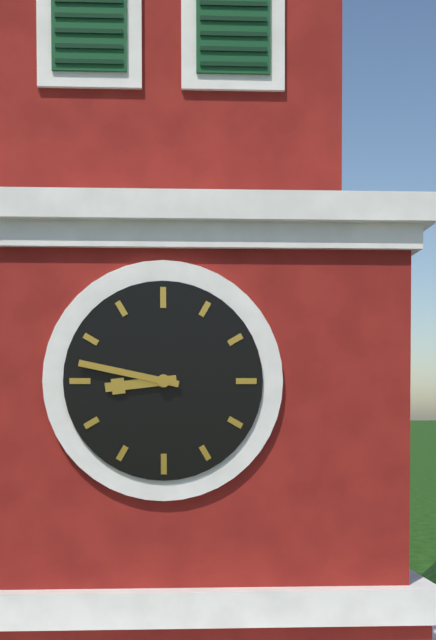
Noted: {"hour": 8, "minute": 47}
